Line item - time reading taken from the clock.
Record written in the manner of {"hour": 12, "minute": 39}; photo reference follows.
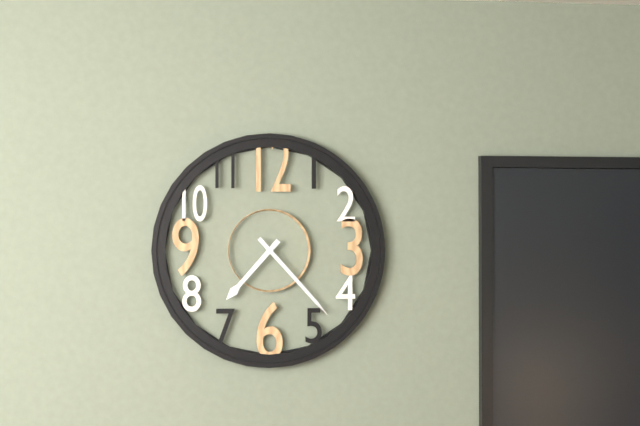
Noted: {"hour": 7, "minute": 23}
